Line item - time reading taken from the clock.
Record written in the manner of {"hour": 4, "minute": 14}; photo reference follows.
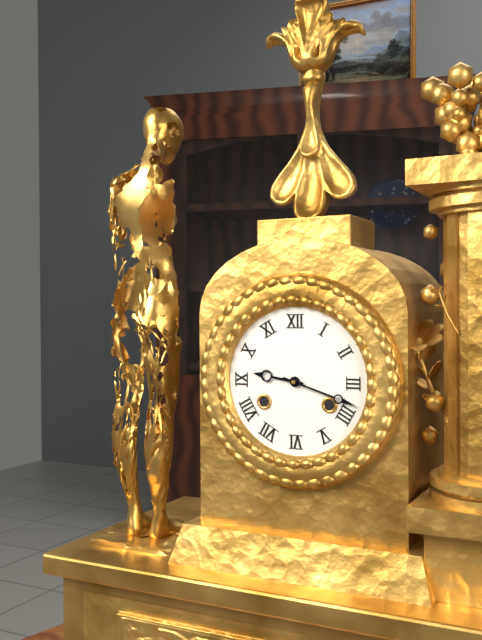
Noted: {"hour": 9, "minute": 18}
